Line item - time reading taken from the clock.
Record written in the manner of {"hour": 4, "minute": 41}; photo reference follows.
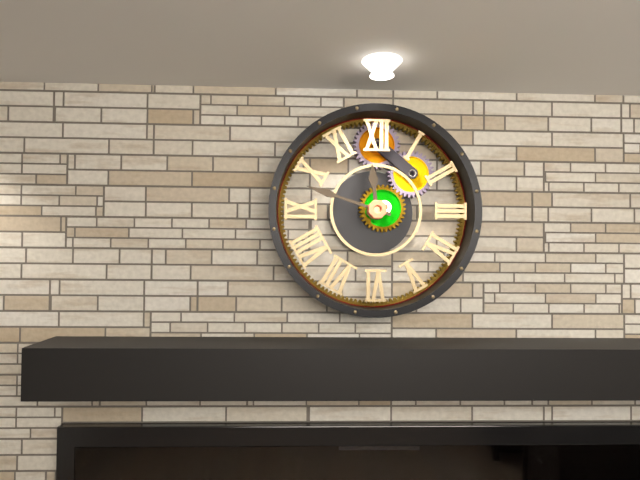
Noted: {"hour": 11, "minute": 48}
